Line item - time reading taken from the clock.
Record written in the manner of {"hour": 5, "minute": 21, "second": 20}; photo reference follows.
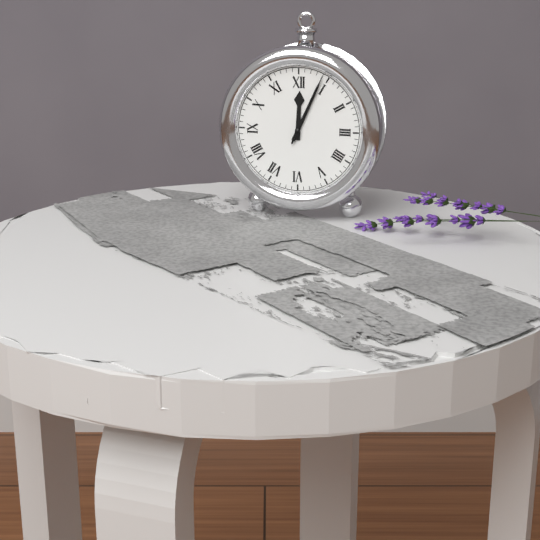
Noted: {"hour": 12, "minute": 4, "second": 4}
